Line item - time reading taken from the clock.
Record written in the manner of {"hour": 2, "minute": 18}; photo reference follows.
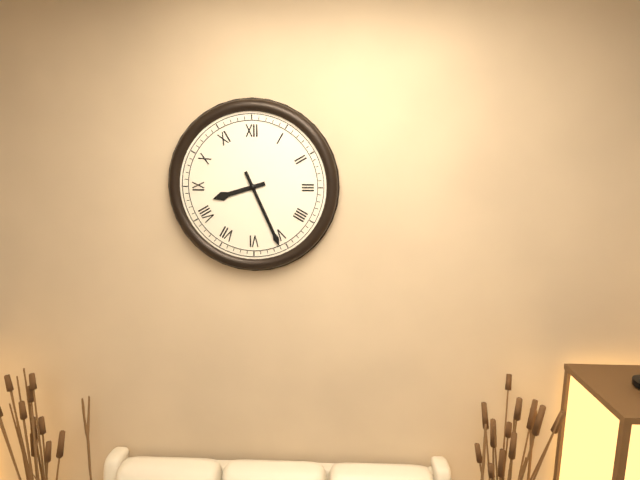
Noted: {"hour": 8, "minute": 26}
